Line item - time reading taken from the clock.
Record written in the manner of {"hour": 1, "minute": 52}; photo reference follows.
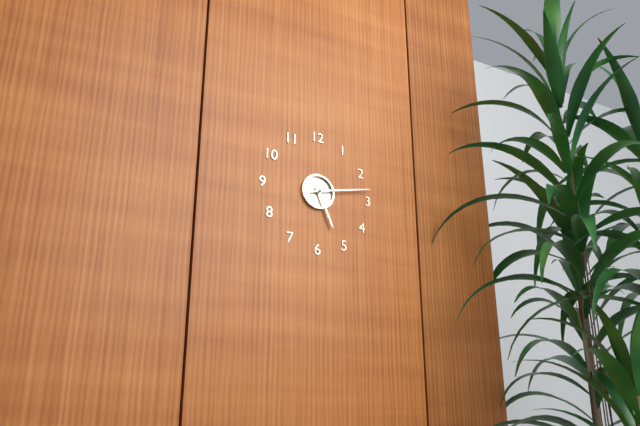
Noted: {"hour": 5, "minute": 13}
